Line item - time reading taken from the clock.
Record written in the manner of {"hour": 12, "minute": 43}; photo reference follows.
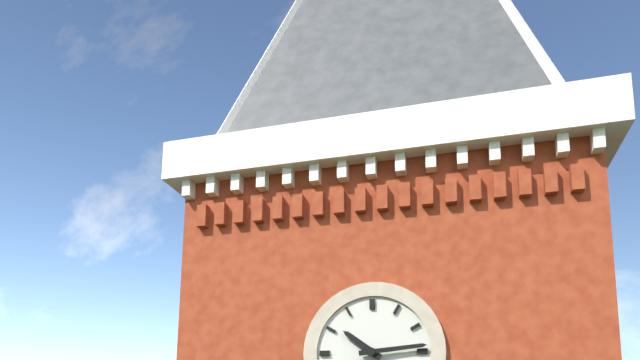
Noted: {"hour": 10, "minute": 14}
